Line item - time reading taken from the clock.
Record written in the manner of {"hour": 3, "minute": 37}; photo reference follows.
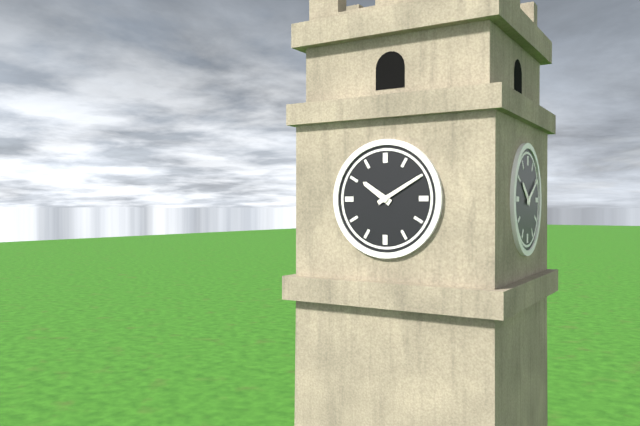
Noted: {"hour": 10, "minute": 10}
